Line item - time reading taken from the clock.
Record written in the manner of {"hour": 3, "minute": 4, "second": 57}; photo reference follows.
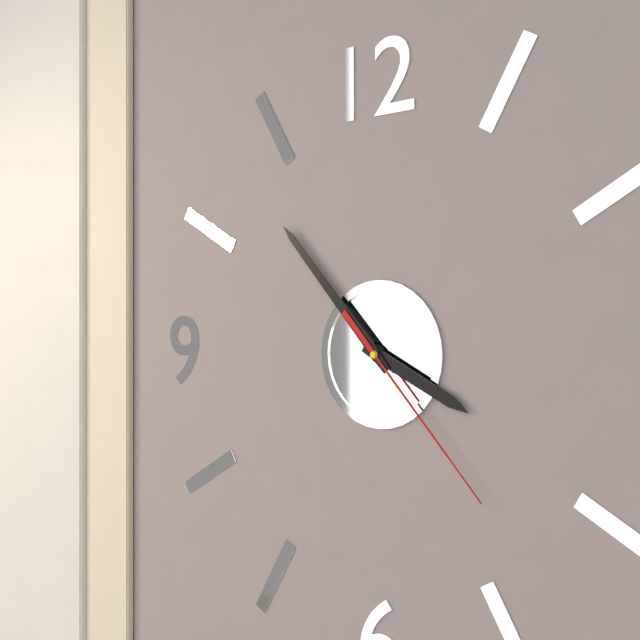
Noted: {"hour": 3, "minute": 53, "second": 23}
